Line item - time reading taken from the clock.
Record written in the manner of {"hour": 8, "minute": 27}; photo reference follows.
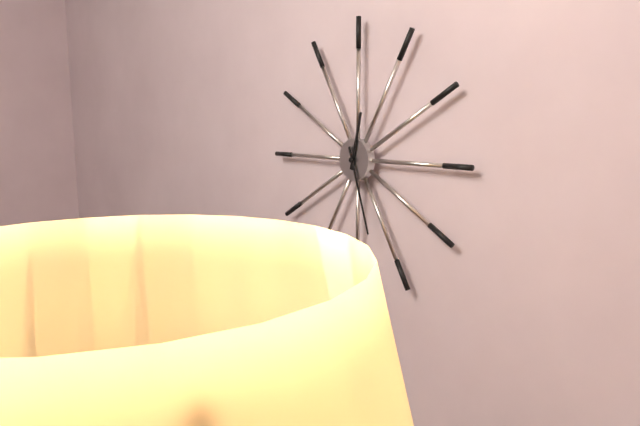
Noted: {"hour": 12, "minute": 27}
